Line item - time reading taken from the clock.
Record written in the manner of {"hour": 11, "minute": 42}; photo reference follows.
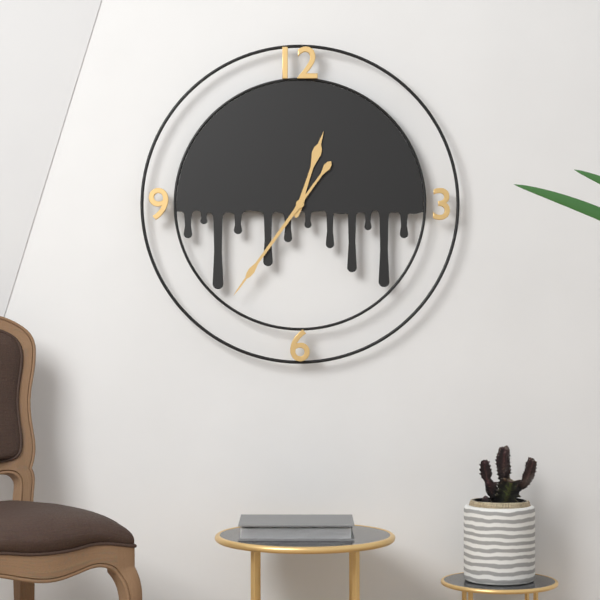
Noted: {"hour": 12, "minute": 36}
